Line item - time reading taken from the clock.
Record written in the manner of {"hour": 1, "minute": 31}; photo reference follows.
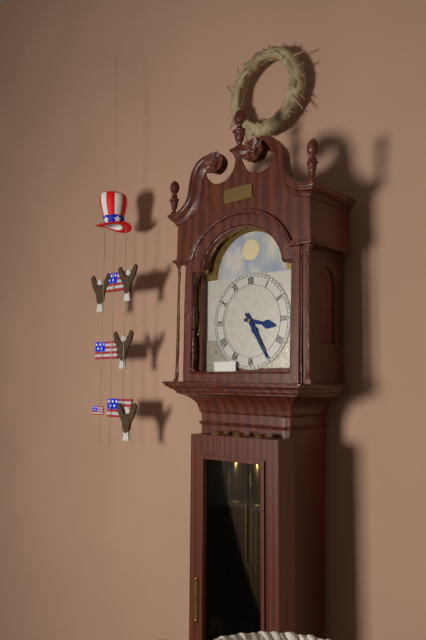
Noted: {"hour": 3, "minute": 25}
